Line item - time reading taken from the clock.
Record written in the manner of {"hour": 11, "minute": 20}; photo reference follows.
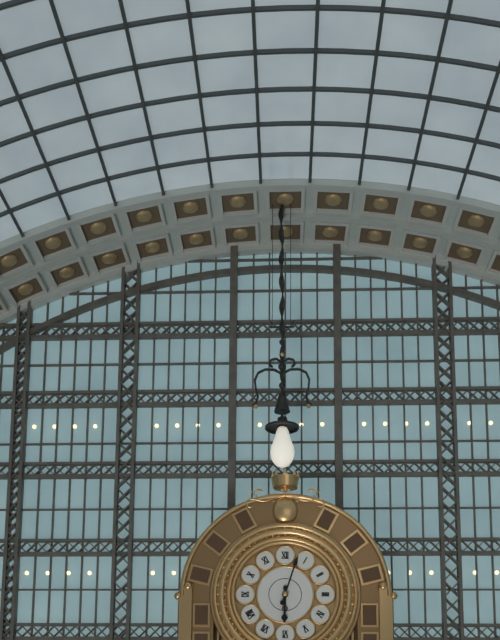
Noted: {"hour": 6, "minute": 3}
